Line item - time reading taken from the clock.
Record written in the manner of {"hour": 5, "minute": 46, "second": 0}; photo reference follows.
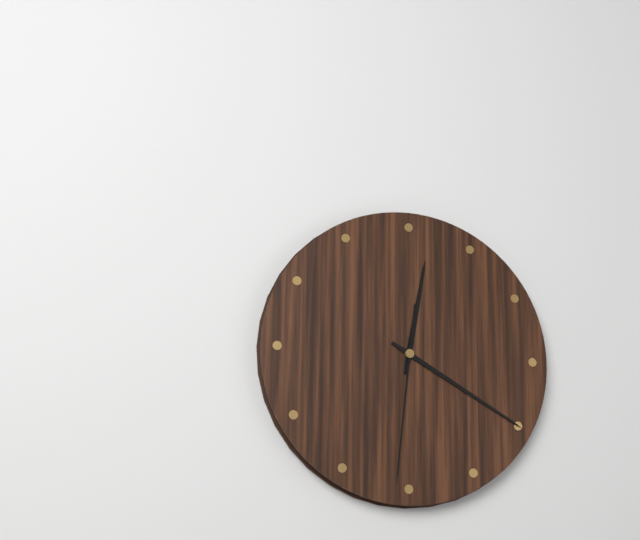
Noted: {"hour": 12, "minute": 20, "second": 31}
